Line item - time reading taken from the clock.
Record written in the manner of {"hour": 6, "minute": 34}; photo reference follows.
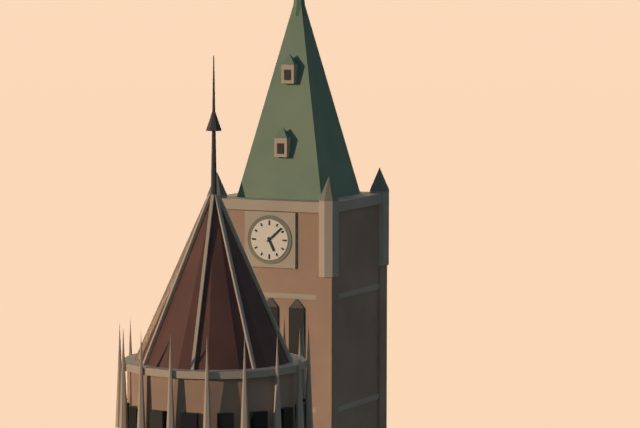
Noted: {"hour": 5, "minute": 8}
